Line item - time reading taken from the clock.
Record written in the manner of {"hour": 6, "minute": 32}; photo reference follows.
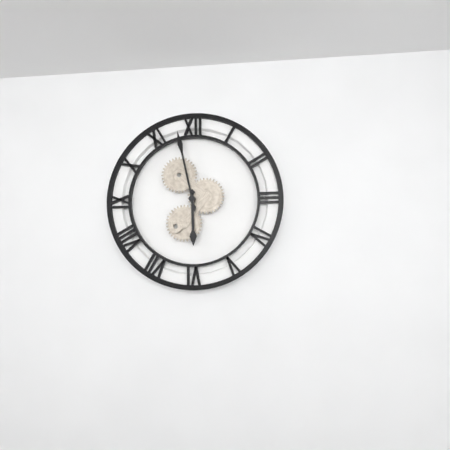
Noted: {"hour": 5, "minute": 58}
